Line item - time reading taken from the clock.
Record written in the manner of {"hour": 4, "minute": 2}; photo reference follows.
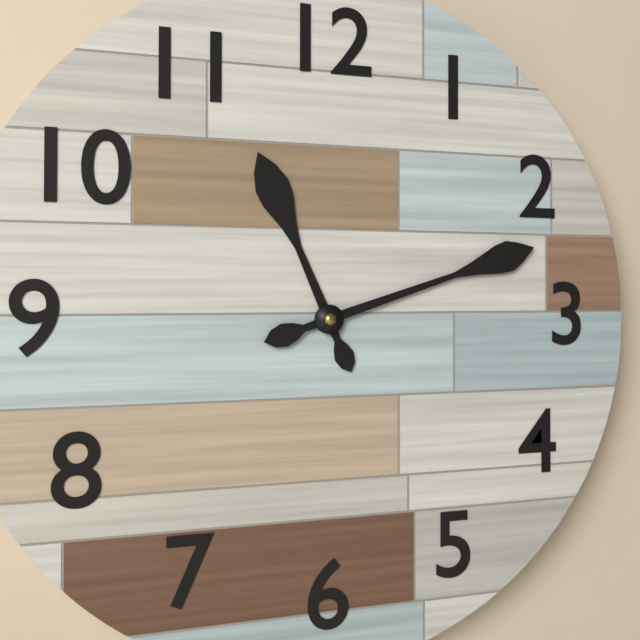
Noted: {"hour": 11, "minute": 12}
